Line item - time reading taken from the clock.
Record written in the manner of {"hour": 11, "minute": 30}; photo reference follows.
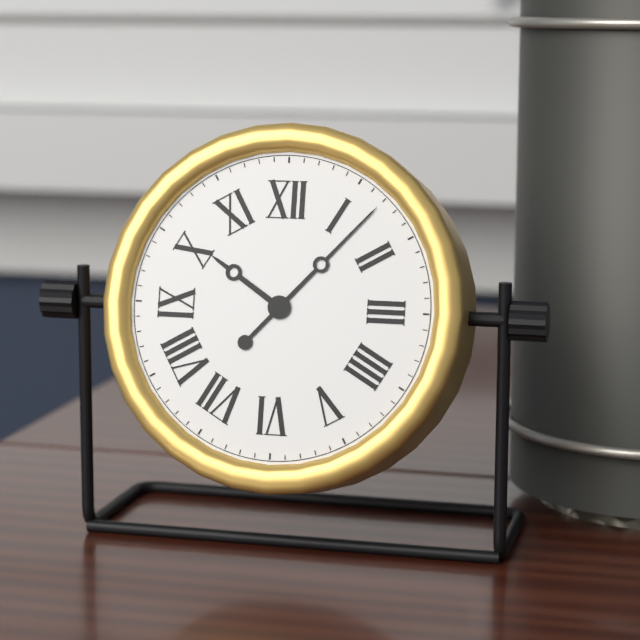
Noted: {"hour": 10, "minute": 7}
